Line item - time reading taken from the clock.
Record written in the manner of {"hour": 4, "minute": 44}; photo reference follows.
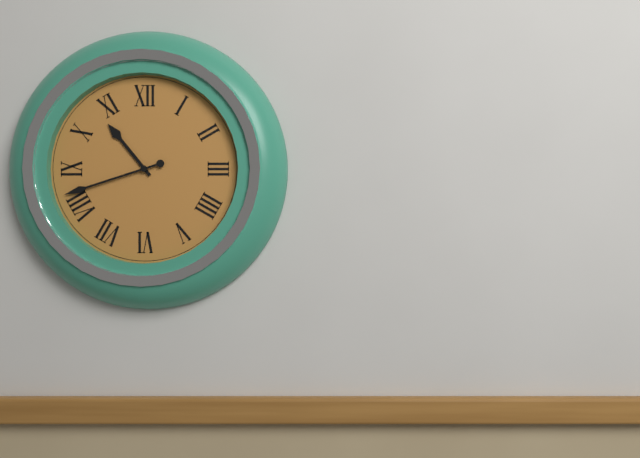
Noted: {"hour": 10, "minute": 42}
